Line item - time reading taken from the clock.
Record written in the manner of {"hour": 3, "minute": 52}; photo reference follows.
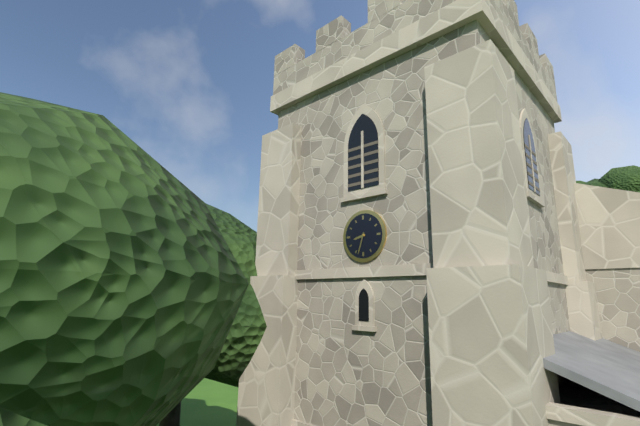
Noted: {"hour": 8, "minute": 33}
